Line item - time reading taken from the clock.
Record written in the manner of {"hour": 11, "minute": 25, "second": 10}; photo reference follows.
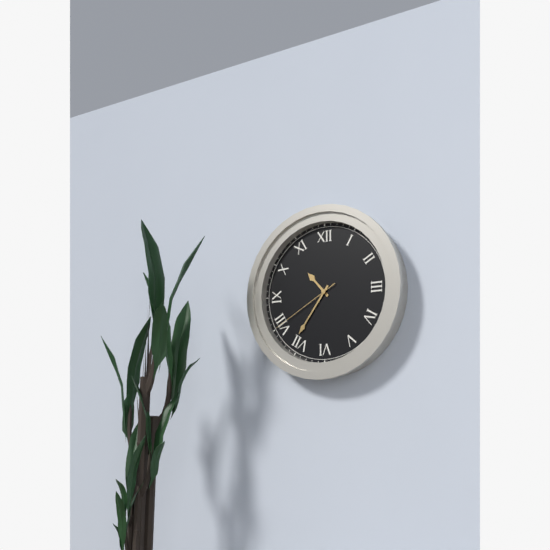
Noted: {"hour": 10, "minute": 36, "second": 40}
